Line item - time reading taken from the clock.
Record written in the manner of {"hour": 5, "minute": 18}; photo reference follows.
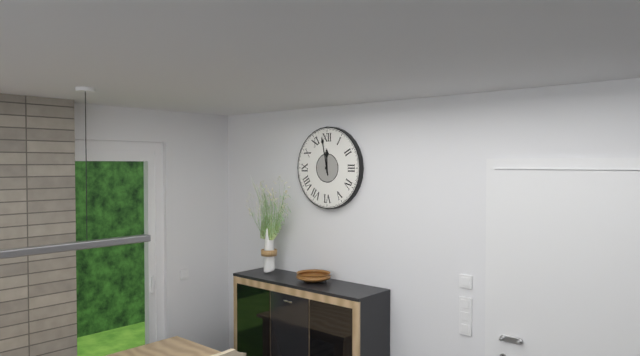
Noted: {"hour": 11, "minute": 58}
